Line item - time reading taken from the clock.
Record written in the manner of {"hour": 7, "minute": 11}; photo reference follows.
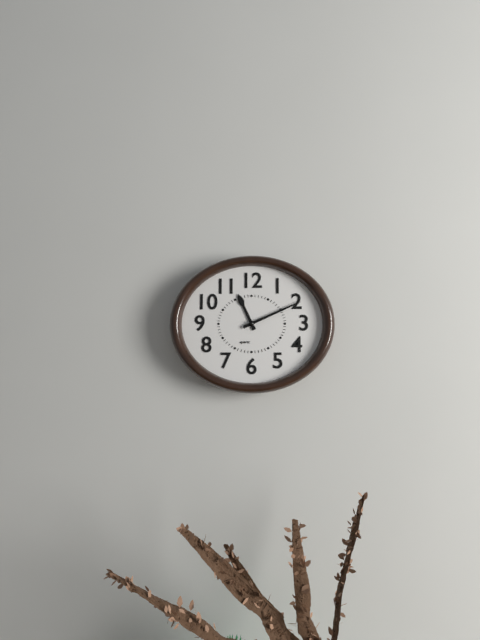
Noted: {"hour": 11, "minute": 11}
